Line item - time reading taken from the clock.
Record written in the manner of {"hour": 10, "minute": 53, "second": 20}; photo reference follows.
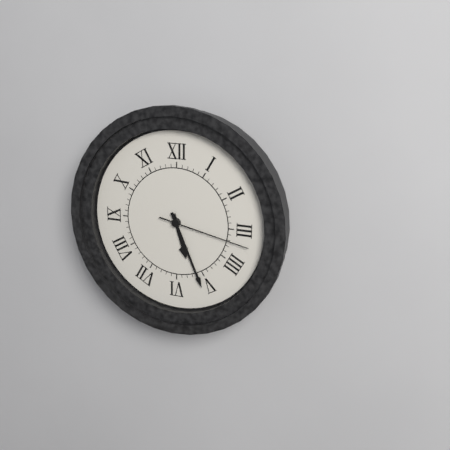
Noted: {"hour": 5, "minute": 26, "second": 17}
